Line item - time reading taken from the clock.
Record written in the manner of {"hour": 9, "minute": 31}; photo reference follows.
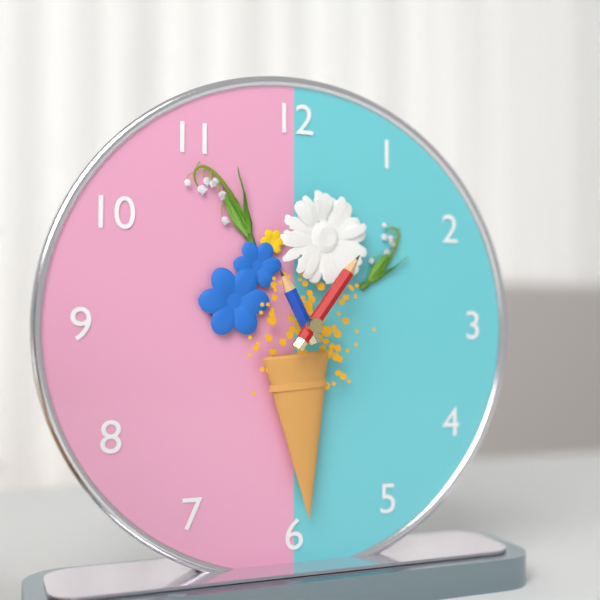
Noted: {"hour": 11, "minute": 6}
